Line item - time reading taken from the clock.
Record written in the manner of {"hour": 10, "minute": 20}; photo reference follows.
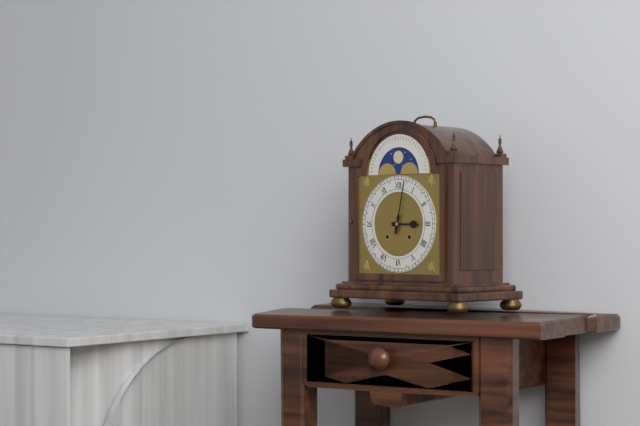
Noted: {"hour": 3, "minute": 2}
